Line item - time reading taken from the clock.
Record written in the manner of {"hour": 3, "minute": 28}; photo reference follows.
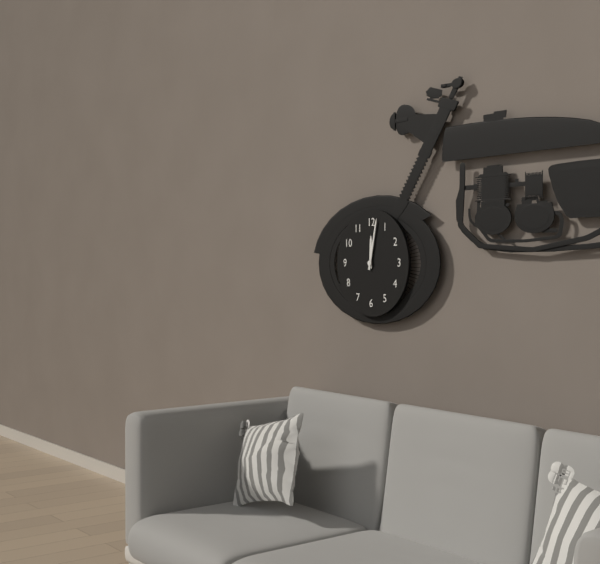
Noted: {"hour": 12, "minute": 2}
